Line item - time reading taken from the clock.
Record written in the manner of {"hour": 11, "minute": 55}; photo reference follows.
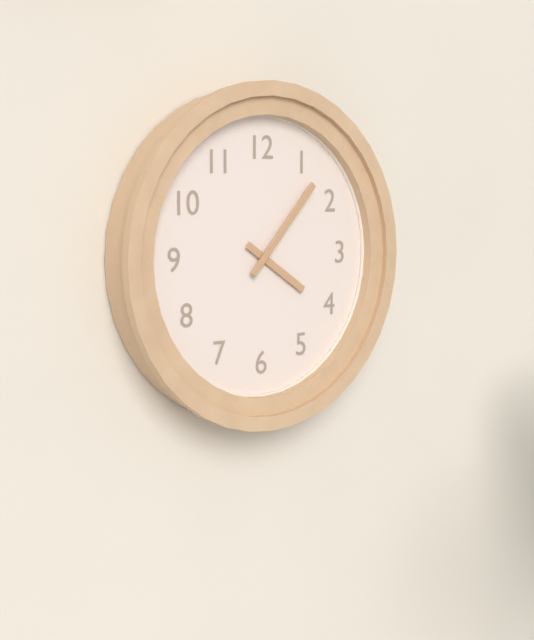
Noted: {"hour": 4, "minute": 7}
